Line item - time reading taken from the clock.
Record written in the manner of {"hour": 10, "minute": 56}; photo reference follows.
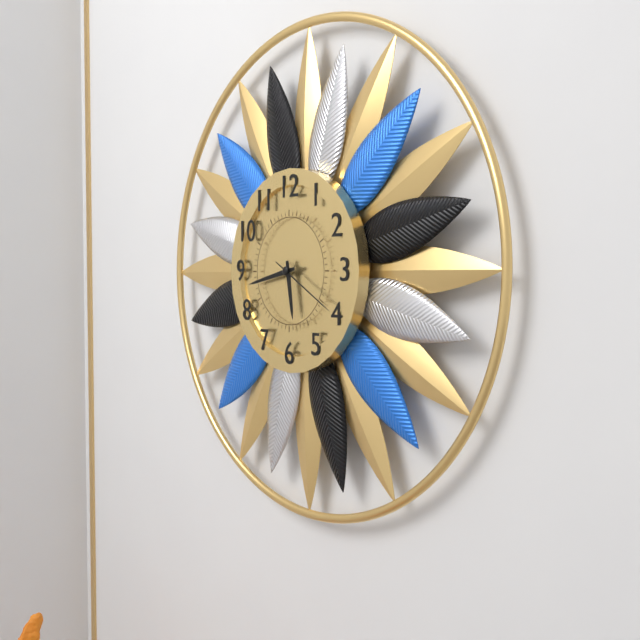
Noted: {"hour": 5, "minute": 43}
